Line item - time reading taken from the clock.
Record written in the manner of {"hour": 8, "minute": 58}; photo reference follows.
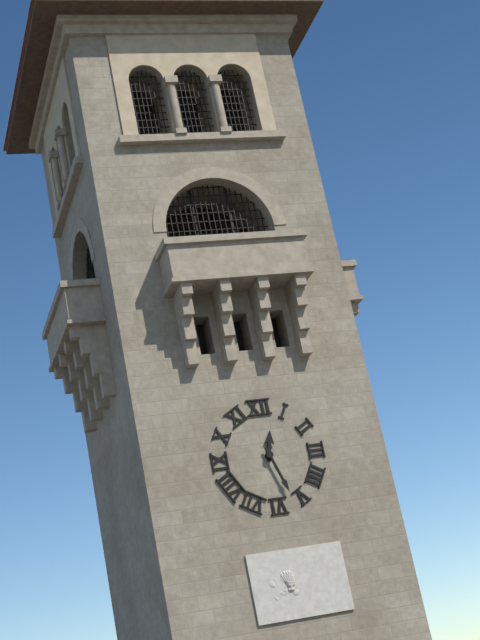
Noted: {"hour": 12, "minute": 27}
